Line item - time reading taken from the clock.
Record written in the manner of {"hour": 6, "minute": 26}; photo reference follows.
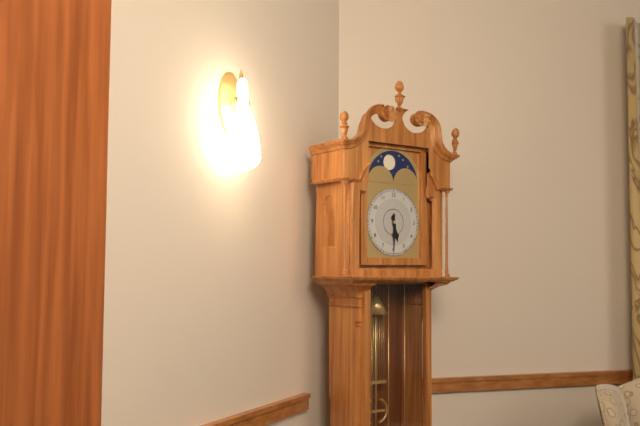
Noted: {"hour": 5, "minute": 30}
